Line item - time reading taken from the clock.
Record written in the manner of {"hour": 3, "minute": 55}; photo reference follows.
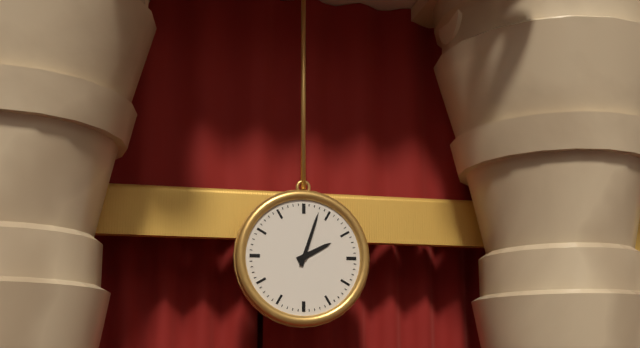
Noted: {"hour": 2, "minute": 3}
